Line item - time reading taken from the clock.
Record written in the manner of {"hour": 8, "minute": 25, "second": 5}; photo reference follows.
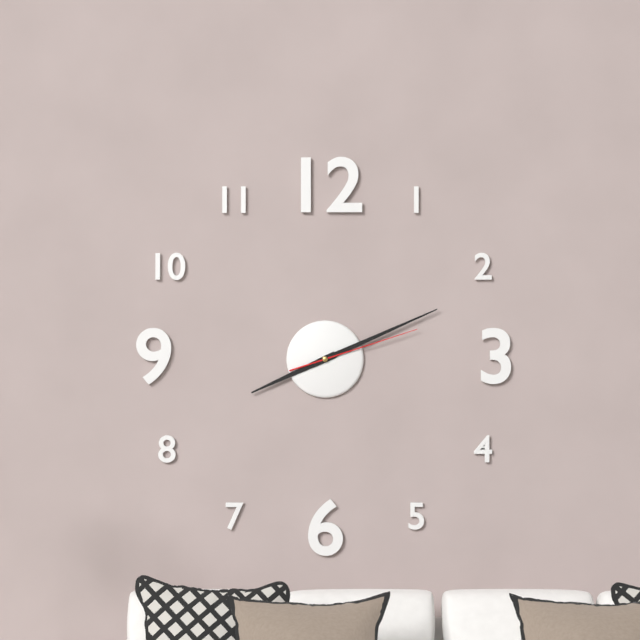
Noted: {"hour": 8, "minute": 11, "second": 12}
